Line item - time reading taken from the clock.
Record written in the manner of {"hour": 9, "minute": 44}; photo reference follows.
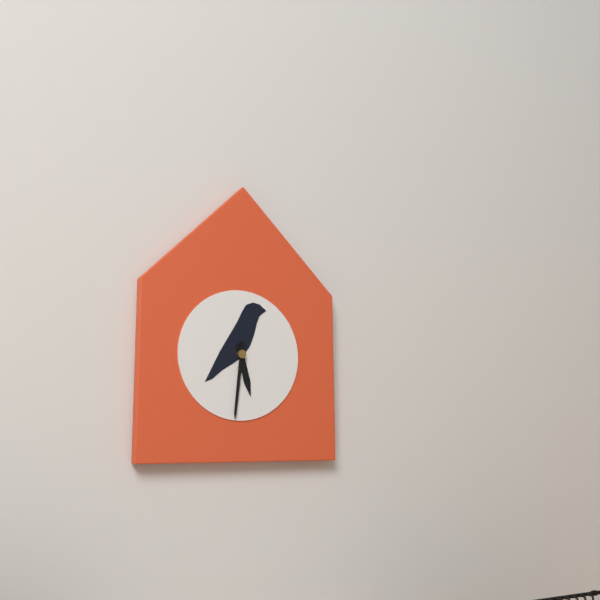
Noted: {"hour": 5, "minute": 31}
